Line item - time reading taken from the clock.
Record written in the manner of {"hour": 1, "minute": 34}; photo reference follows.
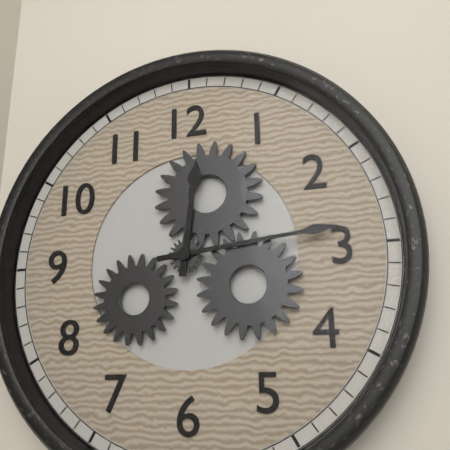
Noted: {"hour": 12, "minute": 14}
